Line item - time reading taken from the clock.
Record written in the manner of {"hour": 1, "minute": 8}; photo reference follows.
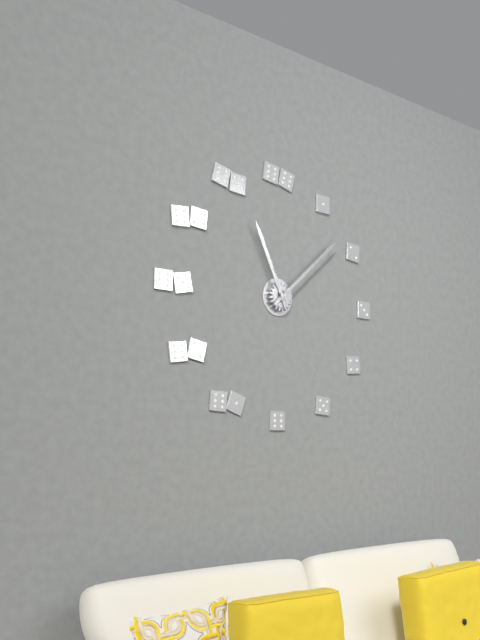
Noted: {"hour": 11, "minute": 8}
